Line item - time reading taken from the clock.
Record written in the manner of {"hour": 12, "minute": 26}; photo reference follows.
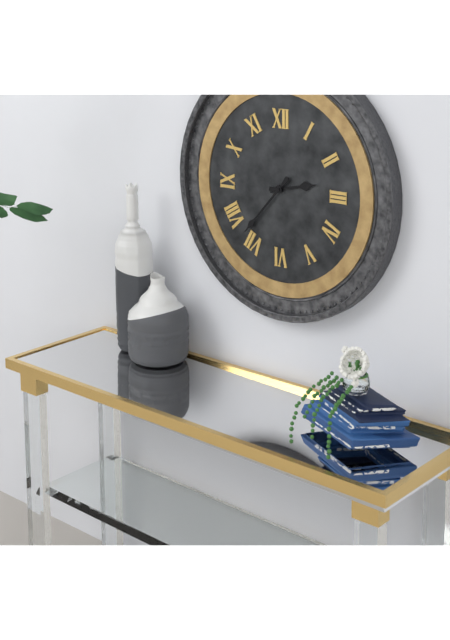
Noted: {"hour": 2, "minute": 37}
